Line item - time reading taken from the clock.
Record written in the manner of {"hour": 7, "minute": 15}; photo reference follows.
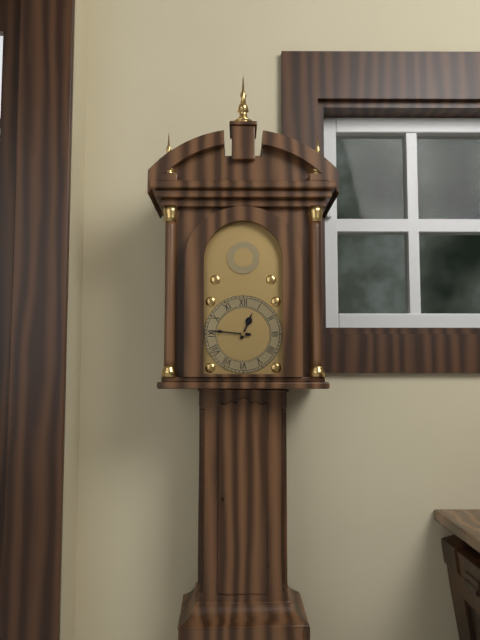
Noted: {"hour": 12, "minute": 46}
